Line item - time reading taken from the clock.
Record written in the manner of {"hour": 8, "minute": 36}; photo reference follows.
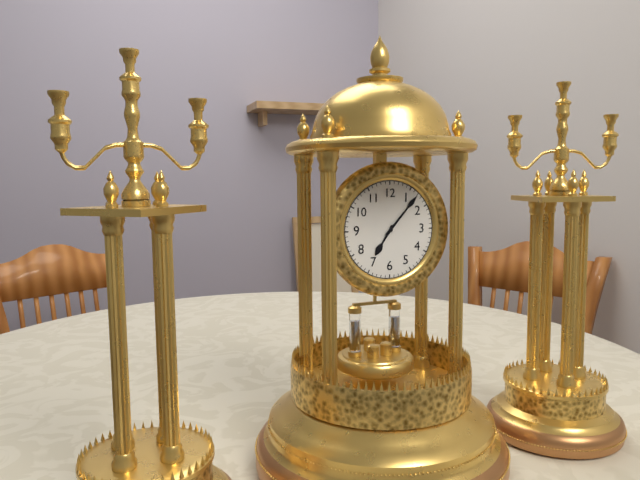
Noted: {"hour": 7, "minute": 7}
